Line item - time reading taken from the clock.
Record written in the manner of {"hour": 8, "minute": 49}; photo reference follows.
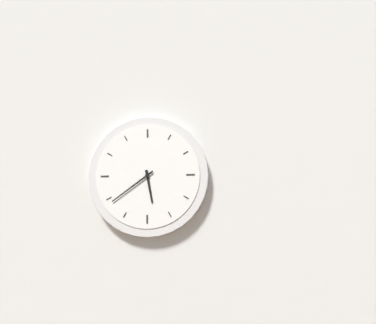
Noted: {"hour": 5, "minute": 39}
